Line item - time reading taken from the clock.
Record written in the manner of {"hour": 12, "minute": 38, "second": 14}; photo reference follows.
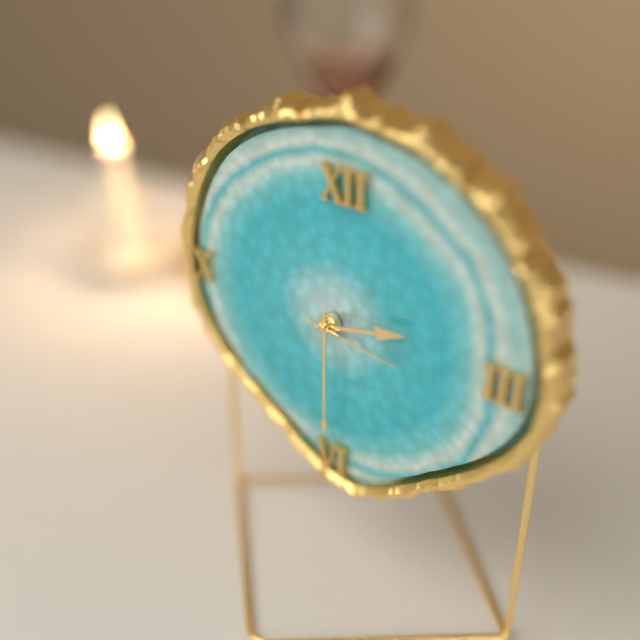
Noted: {"hour": 2, "minute": 30, "second": 16}
